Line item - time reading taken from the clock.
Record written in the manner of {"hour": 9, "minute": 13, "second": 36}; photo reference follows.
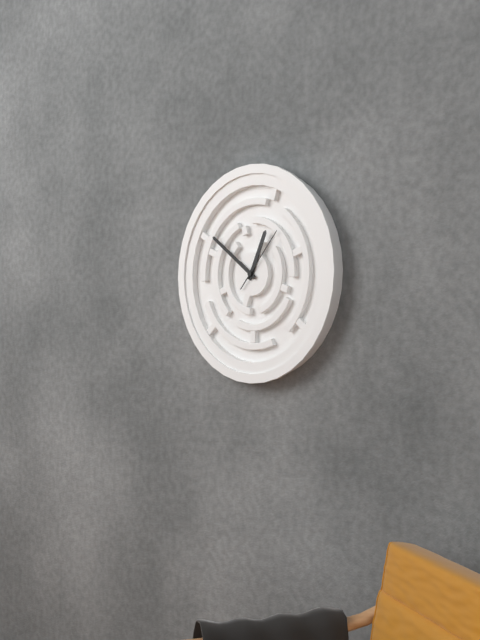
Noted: {"hour": 12, "minute": 51, "second": 7}
